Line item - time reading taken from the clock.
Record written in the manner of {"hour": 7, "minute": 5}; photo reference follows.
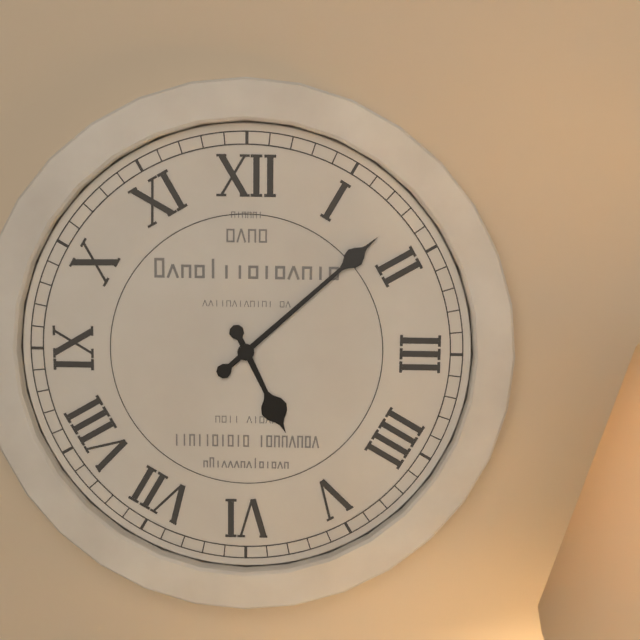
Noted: {"hour": 5, "minute": 8}
